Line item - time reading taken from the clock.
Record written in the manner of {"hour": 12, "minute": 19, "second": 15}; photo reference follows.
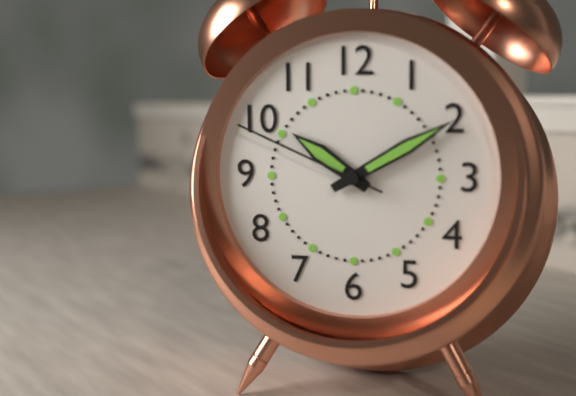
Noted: {"hour": 10, "minute": 10, "second": 49}
